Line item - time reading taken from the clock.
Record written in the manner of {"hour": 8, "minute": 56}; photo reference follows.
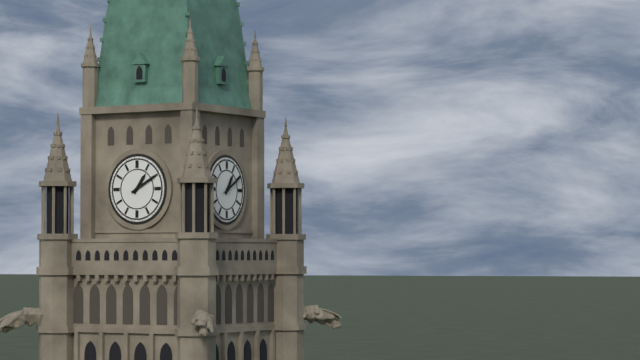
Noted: {"hour": 1, "minute": 10}
